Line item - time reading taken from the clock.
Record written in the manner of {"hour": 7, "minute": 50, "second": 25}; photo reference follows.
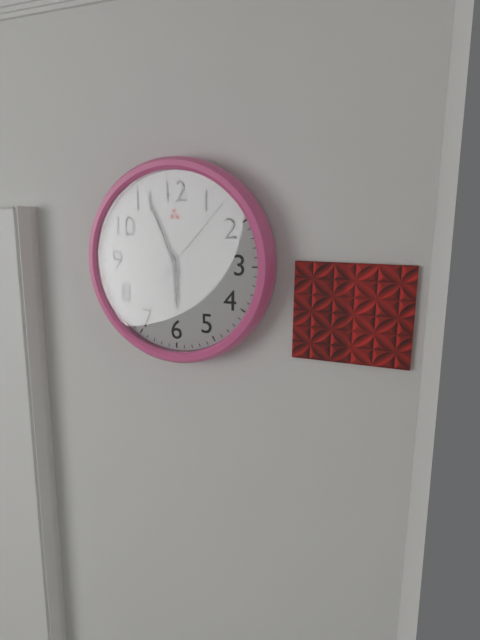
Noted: {"hour": 5, "minute": 56, "second": 7}
